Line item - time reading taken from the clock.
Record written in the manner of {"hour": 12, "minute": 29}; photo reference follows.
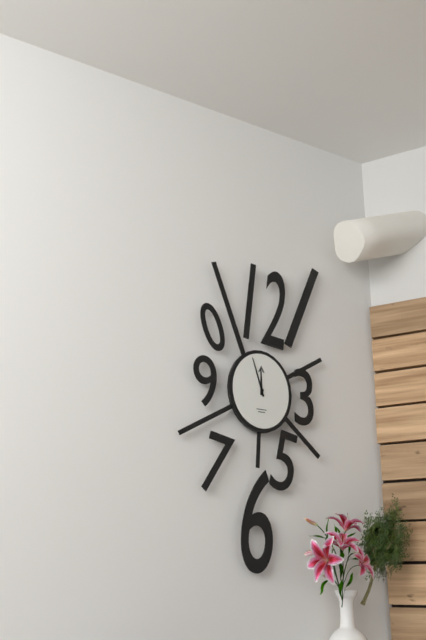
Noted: {"hour": 11, "minute": 57}
